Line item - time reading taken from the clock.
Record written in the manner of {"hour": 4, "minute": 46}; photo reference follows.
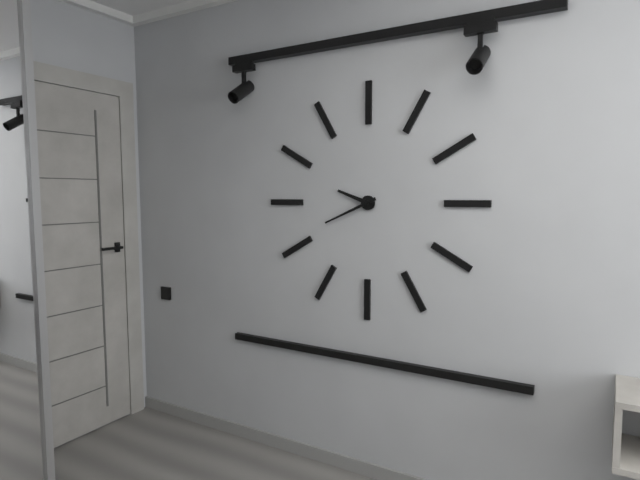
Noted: {"hour": 9, "minute": 41}
